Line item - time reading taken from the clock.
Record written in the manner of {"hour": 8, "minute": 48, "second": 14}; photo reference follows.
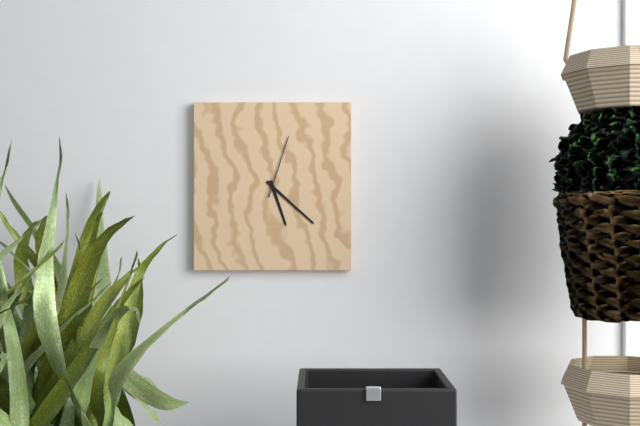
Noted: {"hour": 5, "minute": 22, "second": 3}
